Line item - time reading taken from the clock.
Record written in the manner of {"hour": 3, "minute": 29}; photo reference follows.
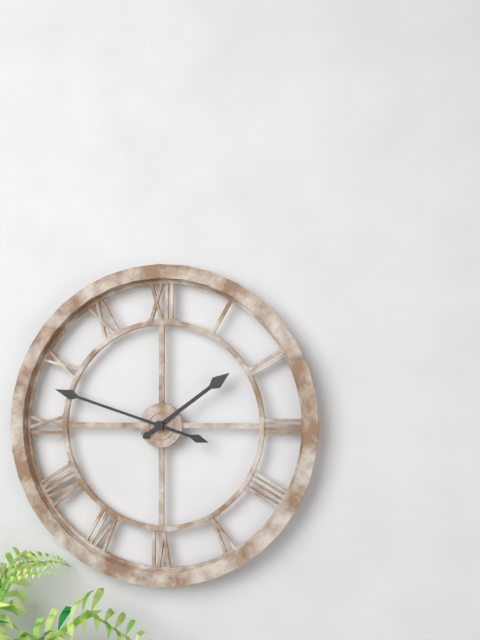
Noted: {"hour": 1, "minute": 48}
